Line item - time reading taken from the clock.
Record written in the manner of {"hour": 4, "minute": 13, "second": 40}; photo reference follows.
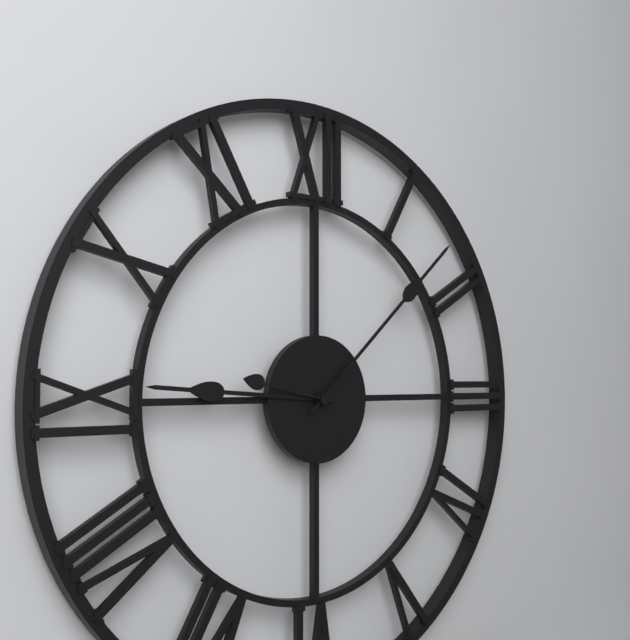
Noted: {"hour": 9, "minute": 8, "second": 47}
